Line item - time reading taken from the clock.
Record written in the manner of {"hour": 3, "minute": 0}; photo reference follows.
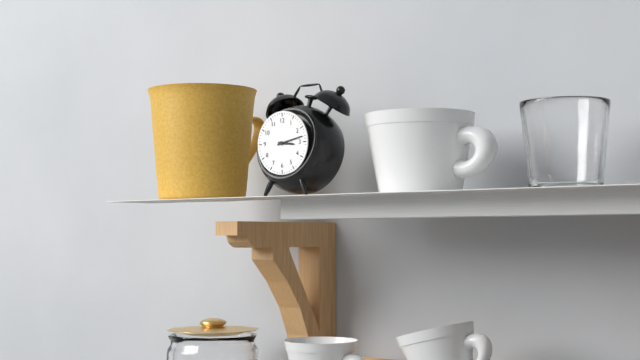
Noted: {"hour": 3, "minute": 13}
